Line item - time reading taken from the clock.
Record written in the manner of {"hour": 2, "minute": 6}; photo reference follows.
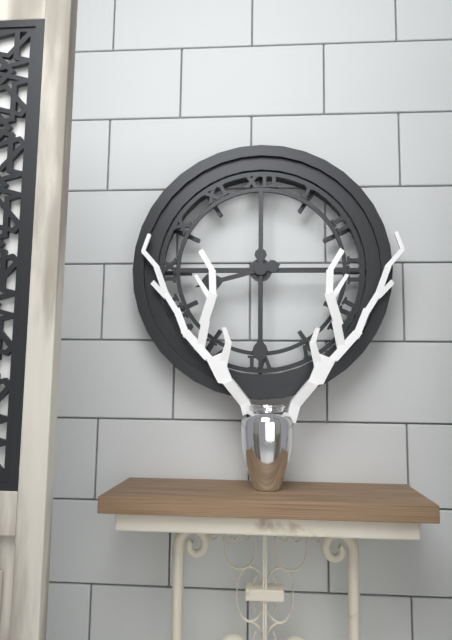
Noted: {"hour": 8, "minute": 30}
